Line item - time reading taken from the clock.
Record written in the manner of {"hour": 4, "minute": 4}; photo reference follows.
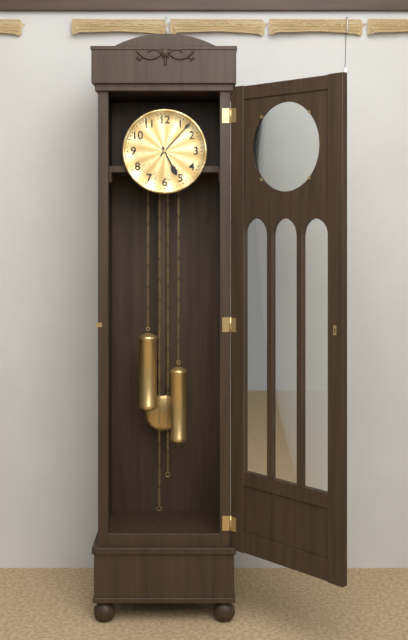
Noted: {"hour": 5, "minute": 7}
